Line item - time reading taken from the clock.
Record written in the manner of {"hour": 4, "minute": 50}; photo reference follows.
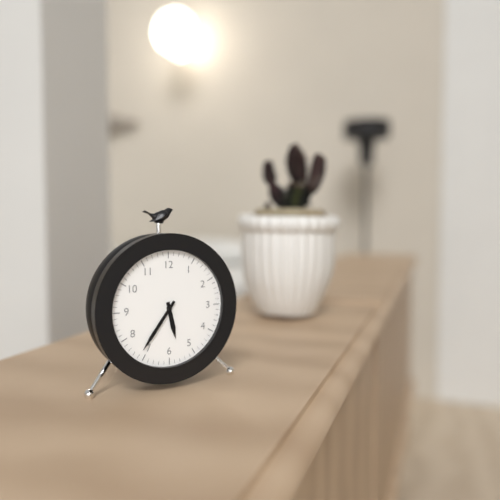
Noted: {"hour": 5, "minute": 36}
